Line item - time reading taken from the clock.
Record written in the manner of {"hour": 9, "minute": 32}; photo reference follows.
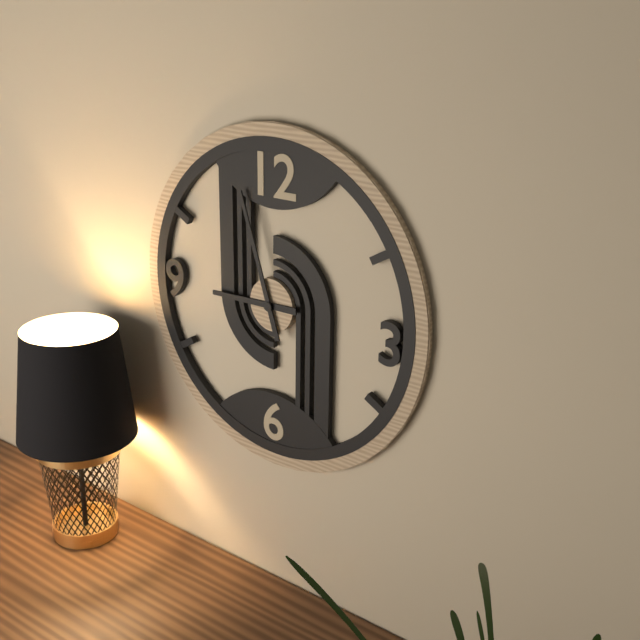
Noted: {"hour": 8, "minute": 57}
